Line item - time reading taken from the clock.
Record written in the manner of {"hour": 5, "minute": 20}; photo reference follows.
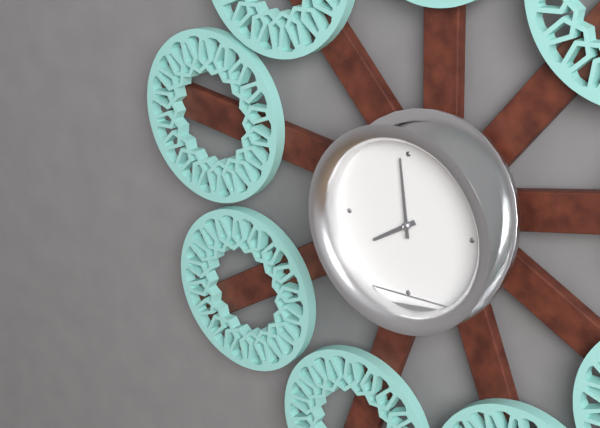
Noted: {"hour": 7, "minute": 59}
